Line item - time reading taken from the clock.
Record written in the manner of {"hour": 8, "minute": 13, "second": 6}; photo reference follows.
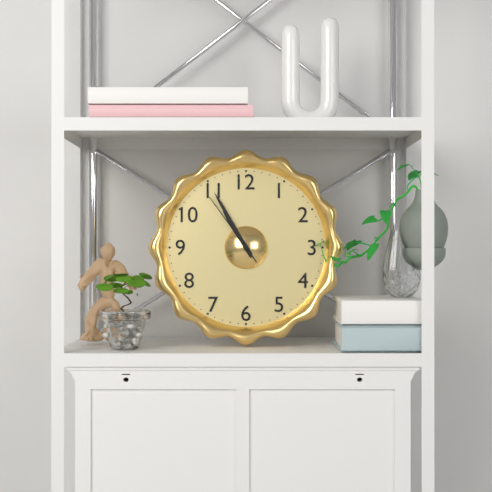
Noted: {"hour": 10, "minute": 55, "second": 54}
